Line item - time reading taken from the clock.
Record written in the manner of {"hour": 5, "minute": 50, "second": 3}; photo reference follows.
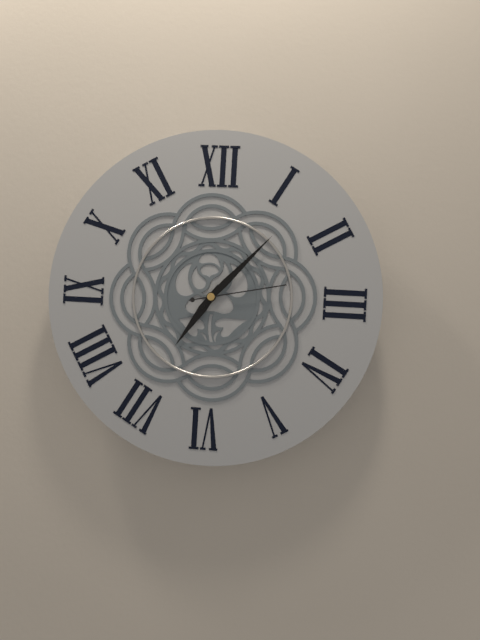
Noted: {"hour": 7, "minute": 7, "second": 13}
